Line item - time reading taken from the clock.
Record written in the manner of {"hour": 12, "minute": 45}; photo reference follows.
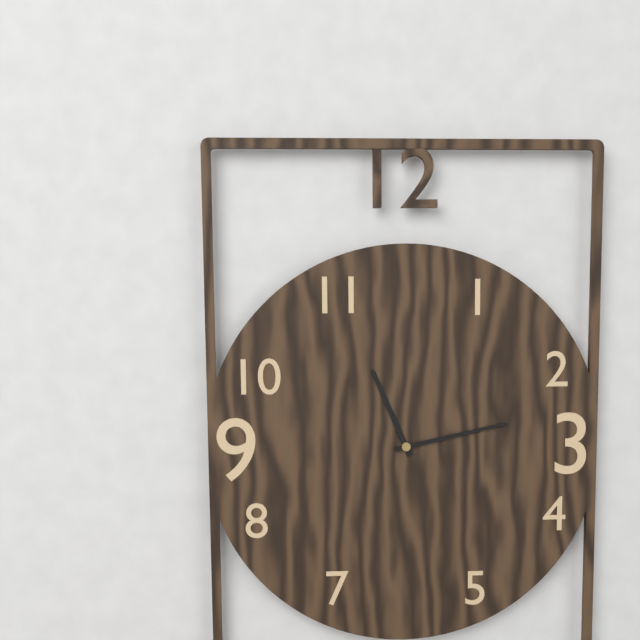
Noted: {"hour": 11, "minute": 13}
